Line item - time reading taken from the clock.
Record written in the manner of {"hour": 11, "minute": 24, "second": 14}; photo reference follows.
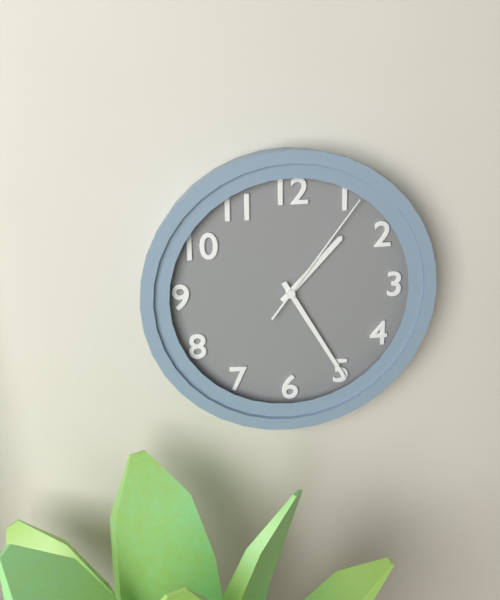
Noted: {"hour": 1, "minute": 25, "second": 6}
